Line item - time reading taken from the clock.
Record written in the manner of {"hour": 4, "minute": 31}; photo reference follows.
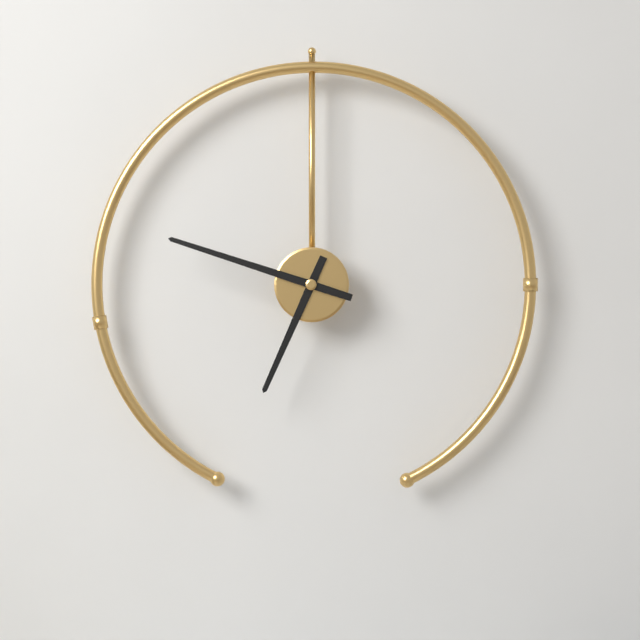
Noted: {"hour": 6, "minute": 48}
